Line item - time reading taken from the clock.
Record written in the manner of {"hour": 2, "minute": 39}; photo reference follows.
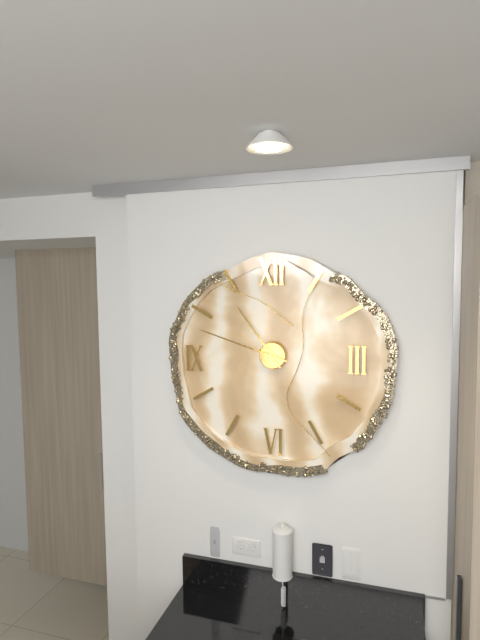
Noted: {"hour": 10, "minute": 48}
